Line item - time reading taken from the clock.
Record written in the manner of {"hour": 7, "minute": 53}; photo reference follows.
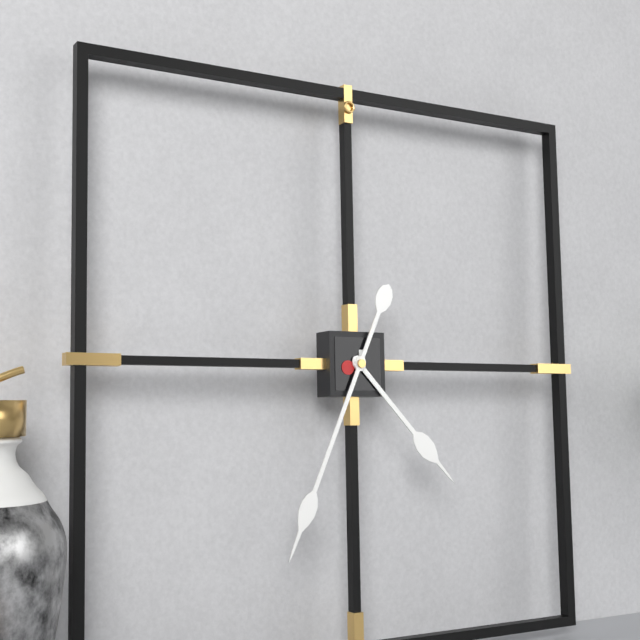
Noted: {"hour": 4, "minute": 34}
